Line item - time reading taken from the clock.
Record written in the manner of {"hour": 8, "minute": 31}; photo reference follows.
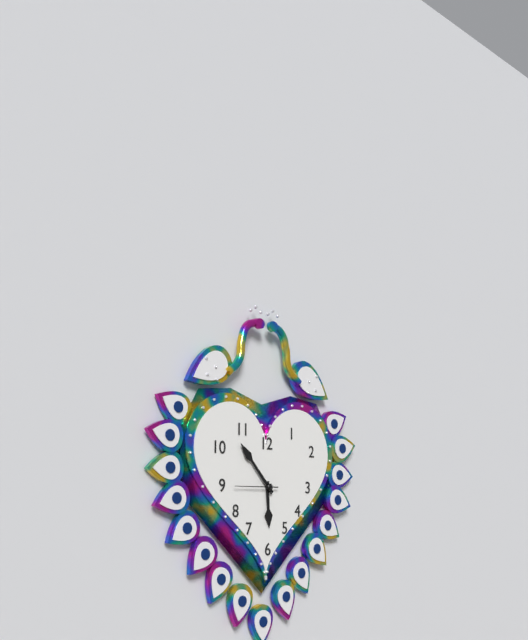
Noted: {"hour": 5, "minute": 53}
